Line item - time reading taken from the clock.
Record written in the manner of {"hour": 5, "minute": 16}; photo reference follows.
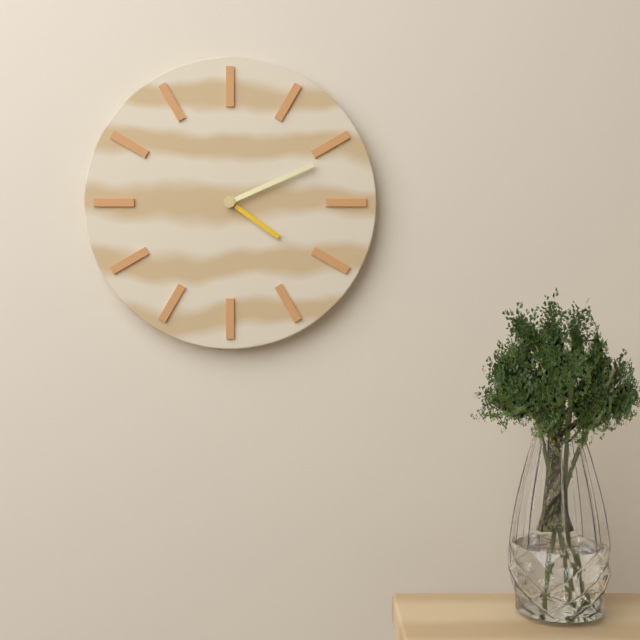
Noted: {"hour": 4, "minute": 11}
